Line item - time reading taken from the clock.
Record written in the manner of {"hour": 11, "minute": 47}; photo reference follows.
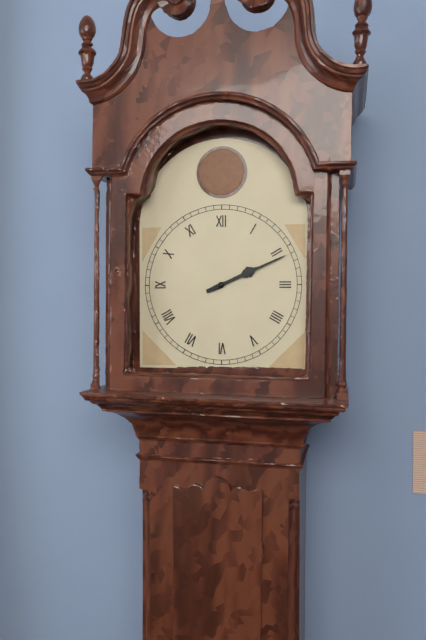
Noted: {"hour": 2, "minute": 11}
